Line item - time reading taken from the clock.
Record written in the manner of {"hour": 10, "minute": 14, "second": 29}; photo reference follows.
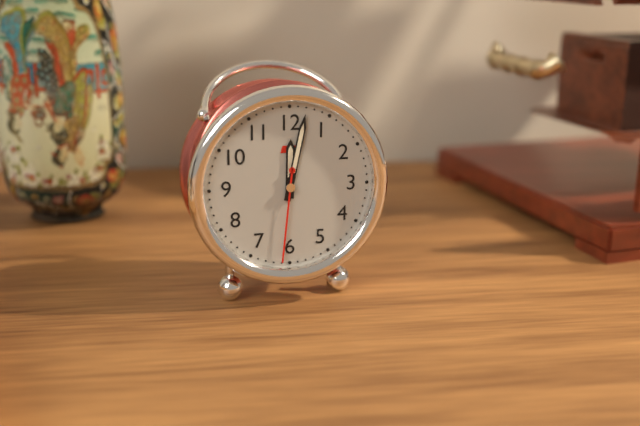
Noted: {"hour": 12, "minute": 2, "second": 31}
